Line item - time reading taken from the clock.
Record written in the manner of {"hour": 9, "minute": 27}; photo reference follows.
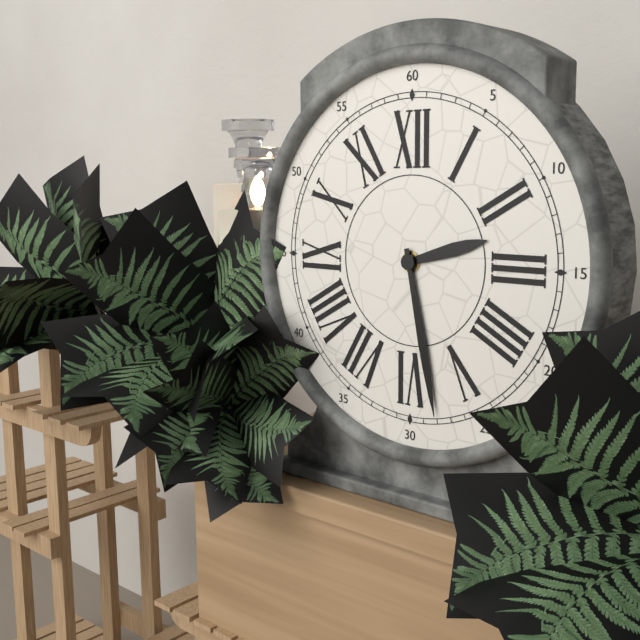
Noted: {"hour": 2, "minute": 28}
